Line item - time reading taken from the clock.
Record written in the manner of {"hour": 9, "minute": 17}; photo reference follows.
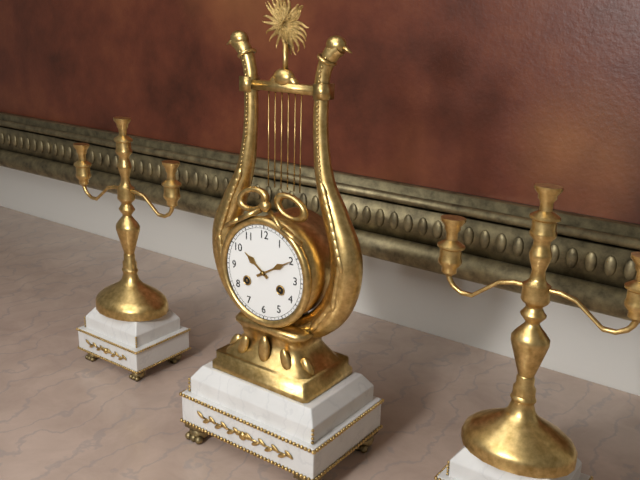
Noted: {"hour": 10, "minute": 10}
